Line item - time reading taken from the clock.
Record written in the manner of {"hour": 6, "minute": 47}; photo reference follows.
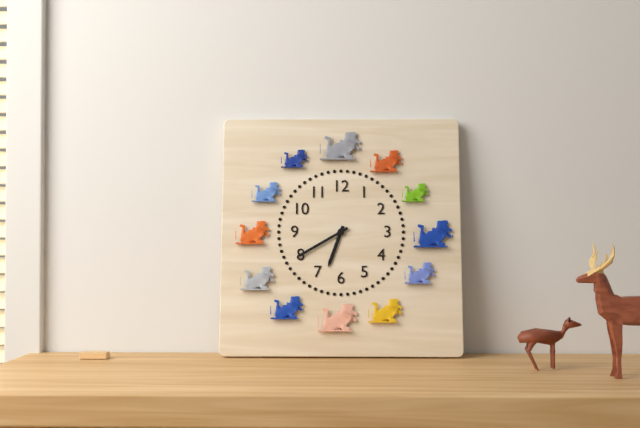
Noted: {"hour": 6, "minute": 40}
